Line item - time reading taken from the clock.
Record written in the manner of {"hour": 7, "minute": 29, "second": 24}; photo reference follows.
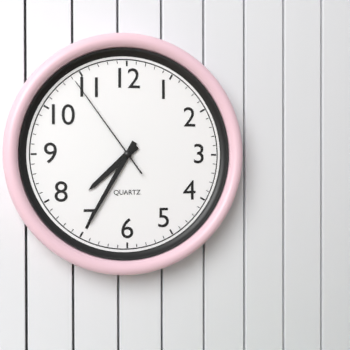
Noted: {"hour": 7, "minute": 35, "second": 54}
